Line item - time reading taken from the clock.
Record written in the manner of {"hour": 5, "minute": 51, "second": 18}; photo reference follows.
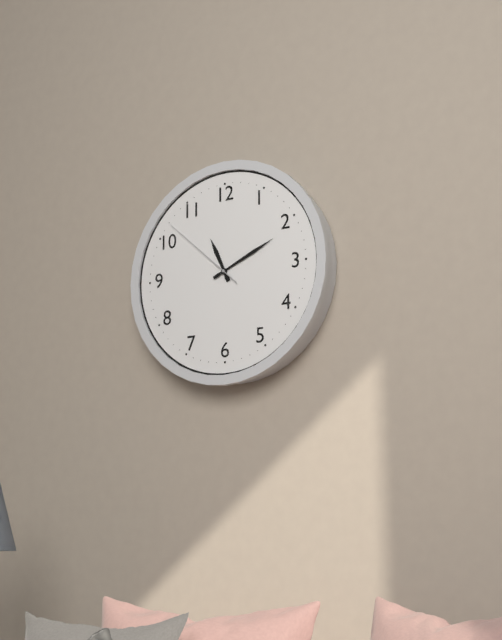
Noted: {"hour": 11, "minute": 11, "second": 52}
